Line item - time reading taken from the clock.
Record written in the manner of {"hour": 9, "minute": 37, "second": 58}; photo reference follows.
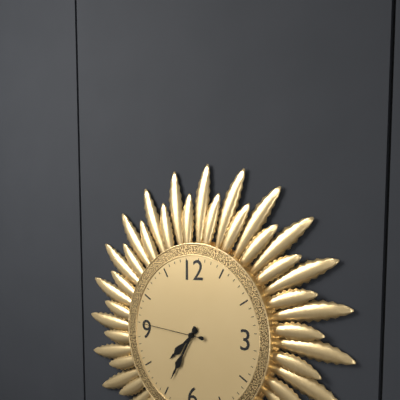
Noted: {"hour": 7, "minute": 35, "second": 46}
